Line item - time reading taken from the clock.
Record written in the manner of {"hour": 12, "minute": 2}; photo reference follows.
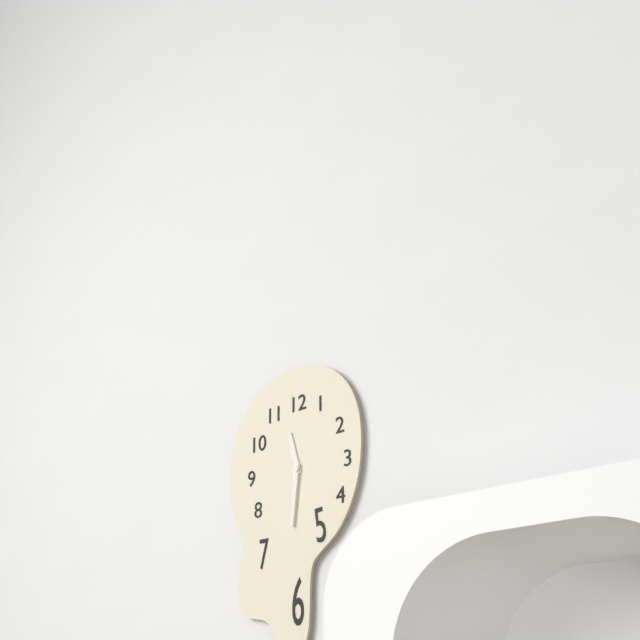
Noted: {"hour": 11, "minute": 31}
